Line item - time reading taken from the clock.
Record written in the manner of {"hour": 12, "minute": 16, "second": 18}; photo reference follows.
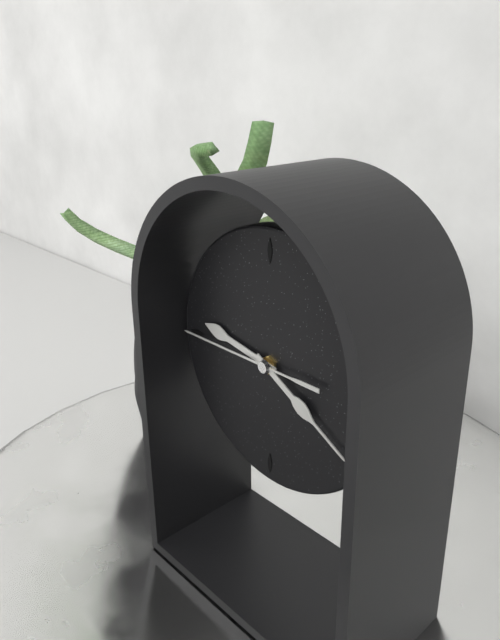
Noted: {"hour": 9, "minute": 20, "second": 45}
